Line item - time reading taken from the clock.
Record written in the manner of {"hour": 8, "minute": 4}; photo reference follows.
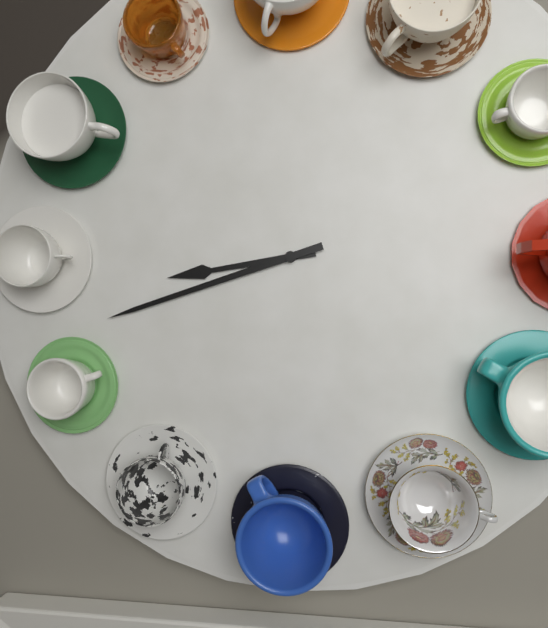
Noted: {"hour": 8, "minute": 42}
